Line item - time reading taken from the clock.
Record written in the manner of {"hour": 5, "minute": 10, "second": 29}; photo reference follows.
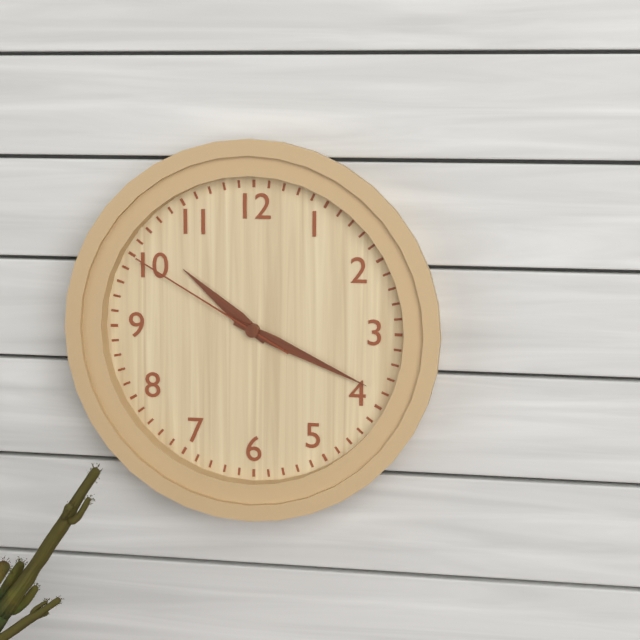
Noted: {"hour": 10, "minute": 19, "second": 50}
